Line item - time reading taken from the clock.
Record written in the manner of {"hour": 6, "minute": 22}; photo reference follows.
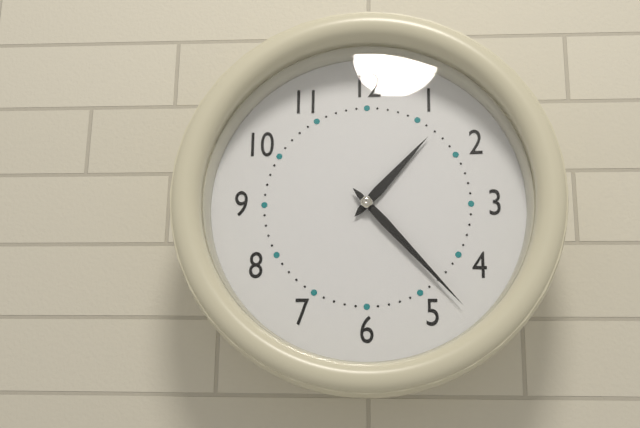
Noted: {"hour": 1, "minute": 23}
